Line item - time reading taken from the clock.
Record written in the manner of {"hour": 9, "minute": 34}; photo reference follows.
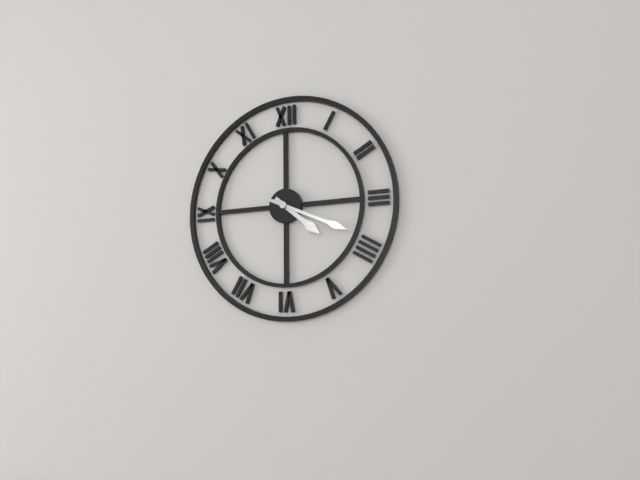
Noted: {"hour": 4, "minute": 19}
